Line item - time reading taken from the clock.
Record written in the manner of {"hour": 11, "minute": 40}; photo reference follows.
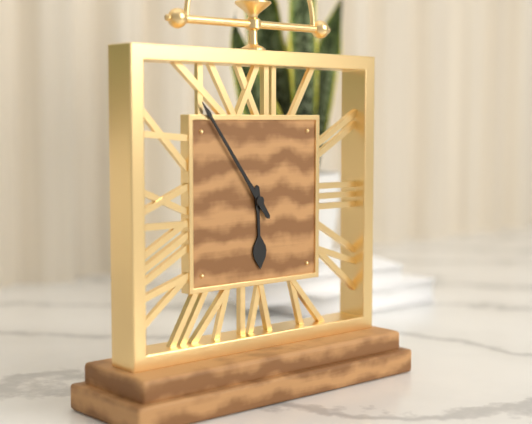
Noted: {"hour": 5, "minute": 54}
